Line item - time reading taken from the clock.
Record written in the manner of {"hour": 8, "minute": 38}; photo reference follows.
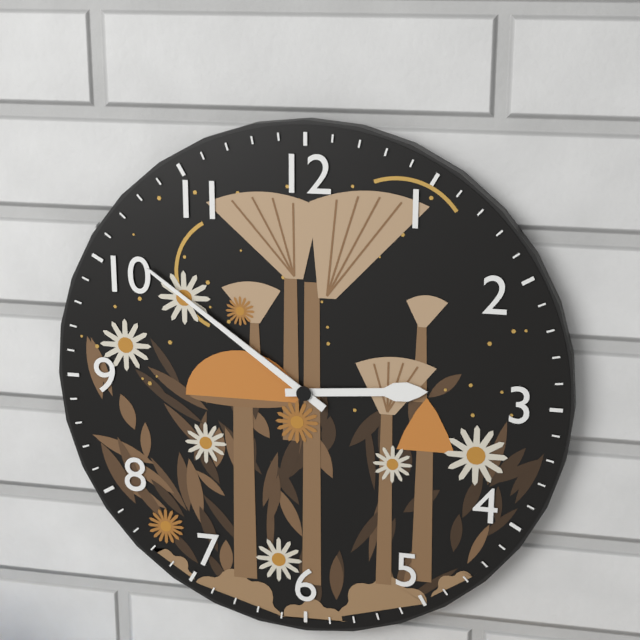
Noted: {"hour": 2, "minute": 51}
